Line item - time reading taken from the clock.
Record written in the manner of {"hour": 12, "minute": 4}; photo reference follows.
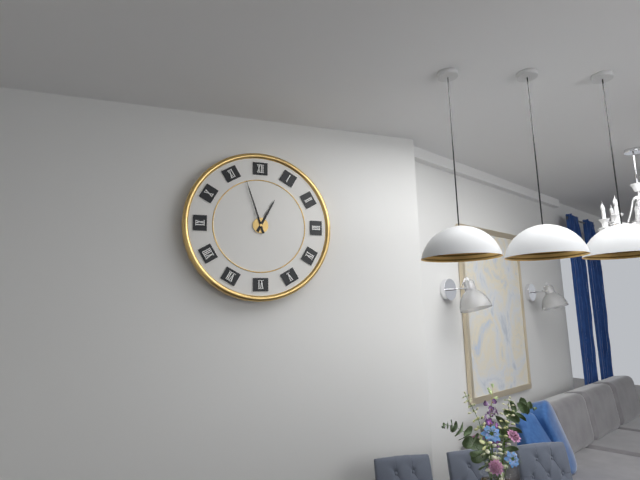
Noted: {"hour": 12, "minute": 57}
